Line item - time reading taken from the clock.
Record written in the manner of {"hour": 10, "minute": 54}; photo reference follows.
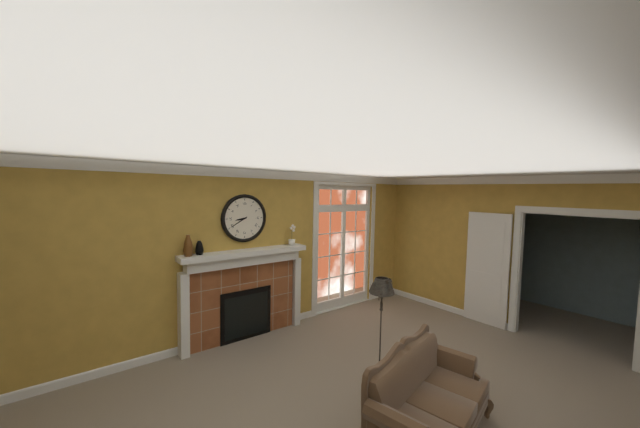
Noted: {"hour": 8, "minute": 40}
